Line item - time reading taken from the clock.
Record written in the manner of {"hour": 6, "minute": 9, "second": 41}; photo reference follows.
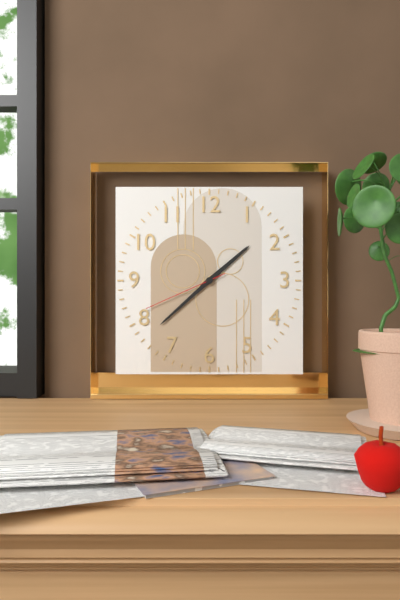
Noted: {"hour": 1, "minute": 38, "second": 41}
